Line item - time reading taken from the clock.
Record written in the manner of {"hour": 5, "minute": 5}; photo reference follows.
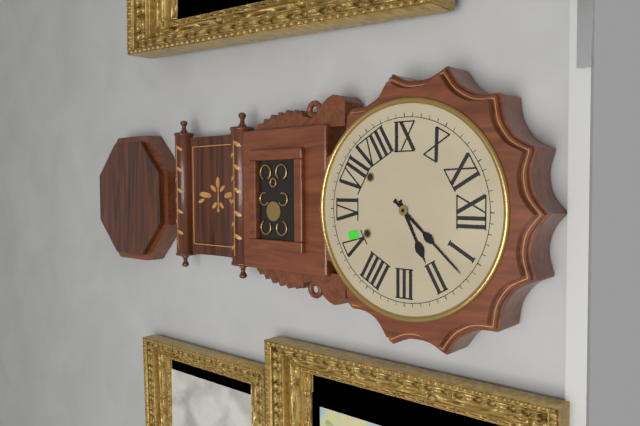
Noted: {"hour": 2, "minute": 7}
